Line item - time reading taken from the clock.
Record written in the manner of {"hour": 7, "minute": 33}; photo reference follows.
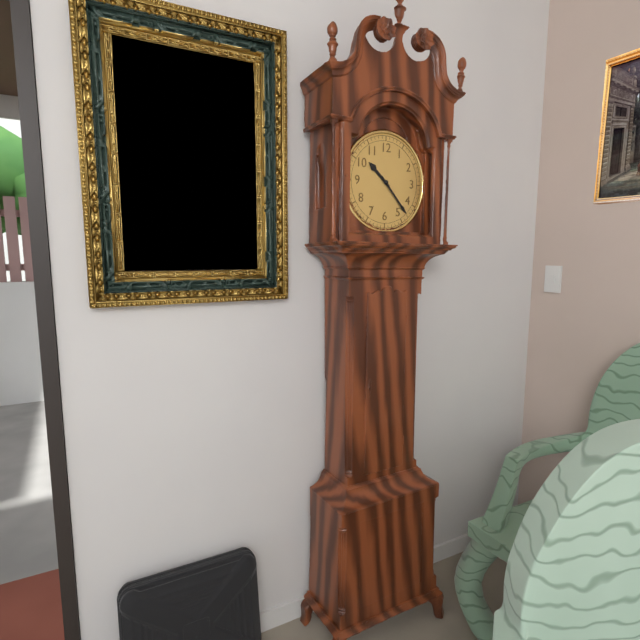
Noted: {"hour": 10, "minute": 23}
